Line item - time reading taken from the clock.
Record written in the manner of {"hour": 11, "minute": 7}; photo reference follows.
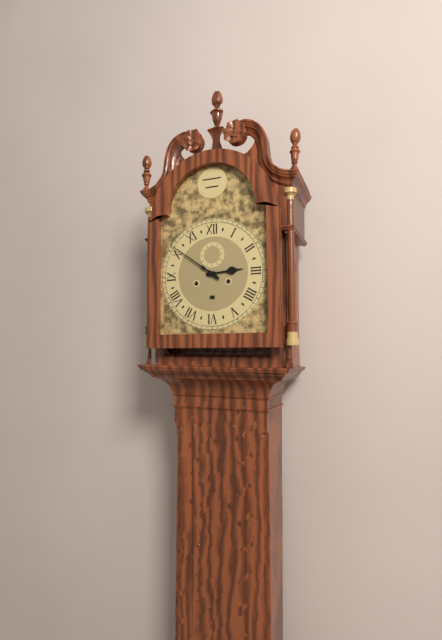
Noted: {"hour": 2, "minute": 51}
